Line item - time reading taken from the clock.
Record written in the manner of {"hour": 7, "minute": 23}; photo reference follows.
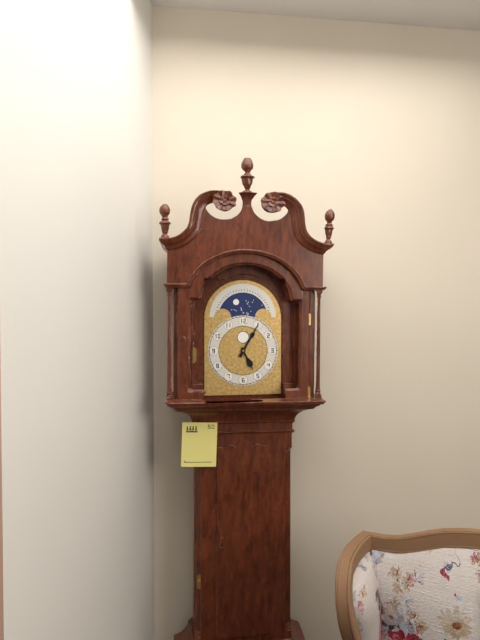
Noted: {"hour": 5, "minute": 5}
